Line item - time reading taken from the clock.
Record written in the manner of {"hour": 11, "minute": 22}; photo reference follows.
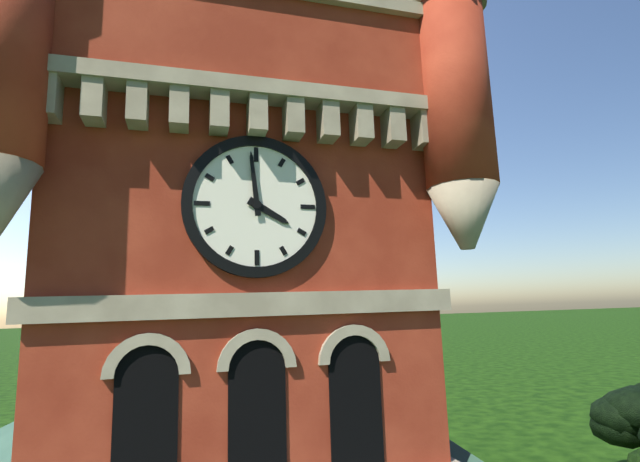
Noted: {"hour": 3, "minute": 59}
